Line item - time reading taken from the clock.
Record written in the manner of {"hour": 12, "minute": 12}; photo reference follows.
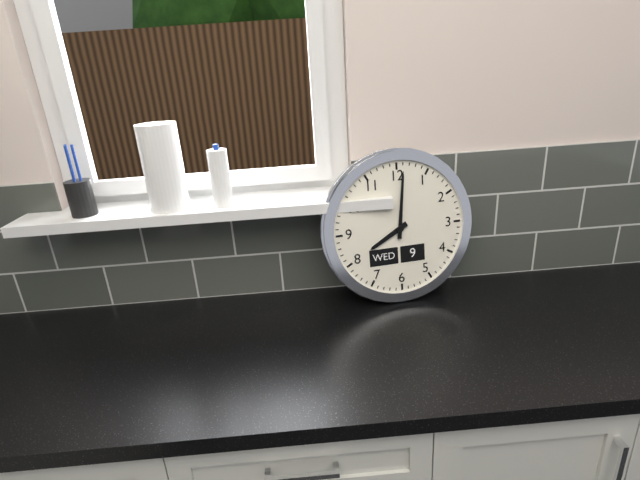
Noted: {"hour": 8, "minute": 1}
